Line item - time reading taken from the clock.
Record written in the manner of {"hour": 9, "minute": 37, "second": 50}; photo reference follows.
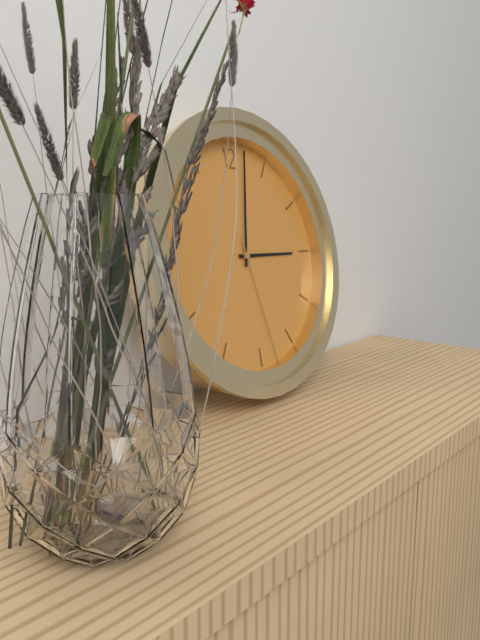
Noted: {"hour": 3, "minute": 2, "second": 28}
